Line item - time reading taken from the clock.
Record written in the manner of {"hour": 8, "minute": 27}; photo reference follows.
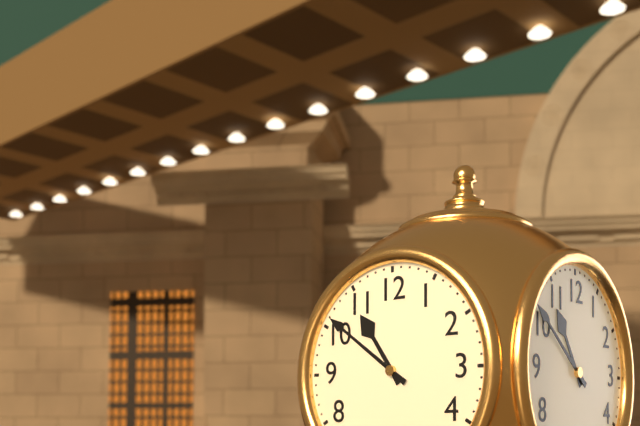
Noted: {"hour": 10, "minute": 51}
